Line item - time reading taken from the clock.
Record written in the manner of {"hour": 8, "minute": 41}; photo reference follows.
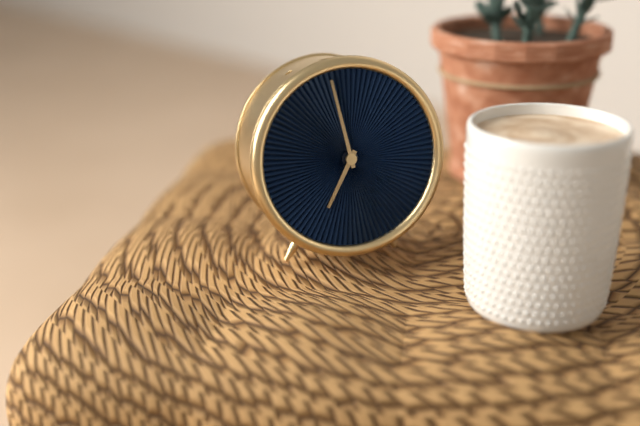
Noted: {"hour": 6, "minute": 58}
